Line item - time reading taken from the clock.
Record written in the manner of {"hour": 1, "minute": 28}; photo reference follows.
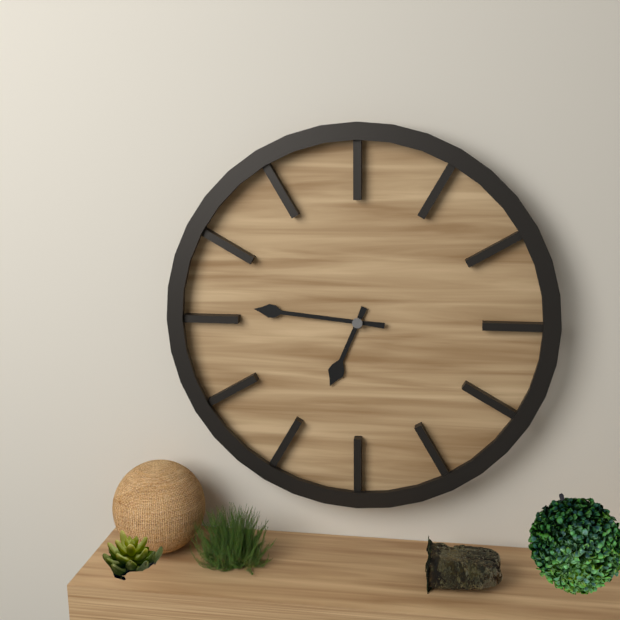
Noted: {"hour": 6, "minute": 46}
